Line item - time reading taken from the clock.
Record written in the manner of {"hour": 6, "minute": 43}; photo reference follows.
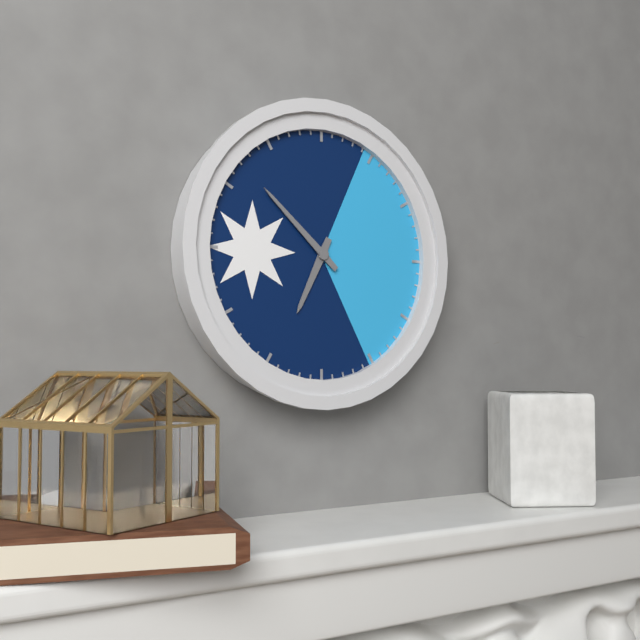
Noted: {"hour": 6, "minute": 52}
